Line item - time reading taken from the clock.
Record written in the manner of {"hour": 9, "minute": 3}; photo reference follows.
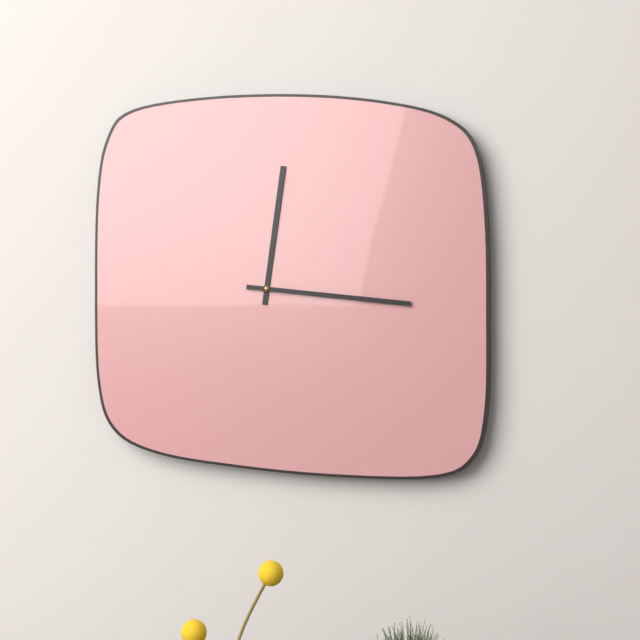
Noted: {"hour": 12, "minute": 16}
